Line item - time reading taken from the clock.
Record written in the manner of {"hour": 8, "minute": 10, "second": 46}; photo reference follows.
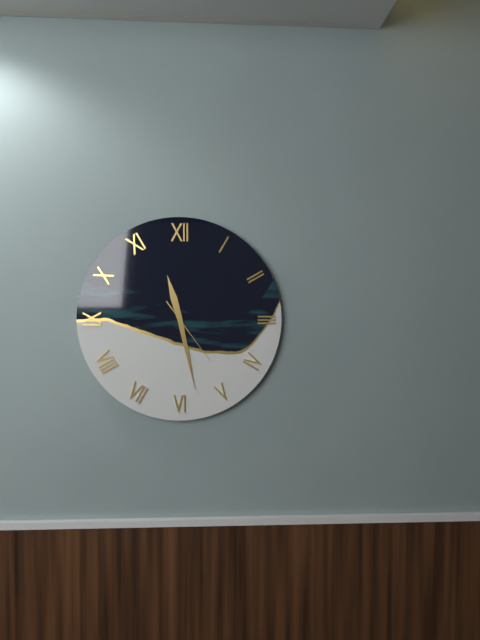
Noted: {"hour": 11, "minute": 28, "second": 24}
